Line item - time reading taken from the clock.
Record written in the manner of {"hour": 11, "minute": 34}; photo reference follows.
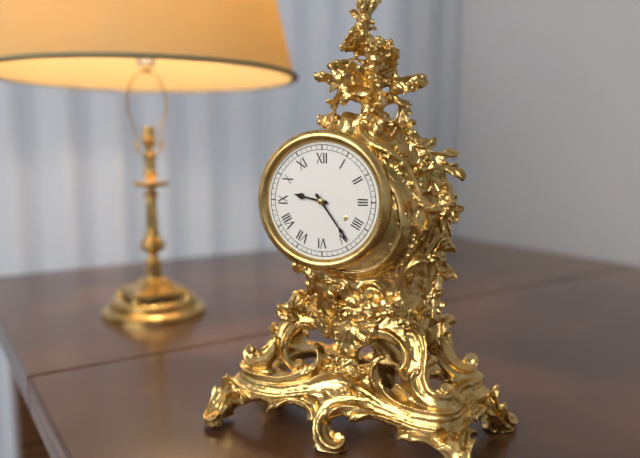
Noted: {"hour": 9, "minute": 24}
